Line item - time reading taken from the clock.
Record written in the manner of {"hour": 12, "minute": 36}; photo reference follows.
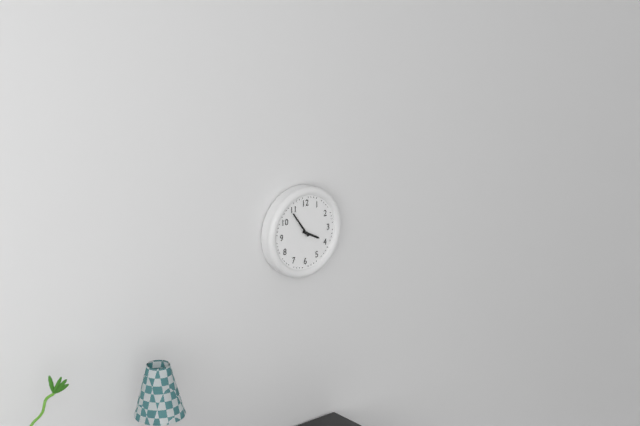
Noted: {"hour": 3, "minute": 54}
